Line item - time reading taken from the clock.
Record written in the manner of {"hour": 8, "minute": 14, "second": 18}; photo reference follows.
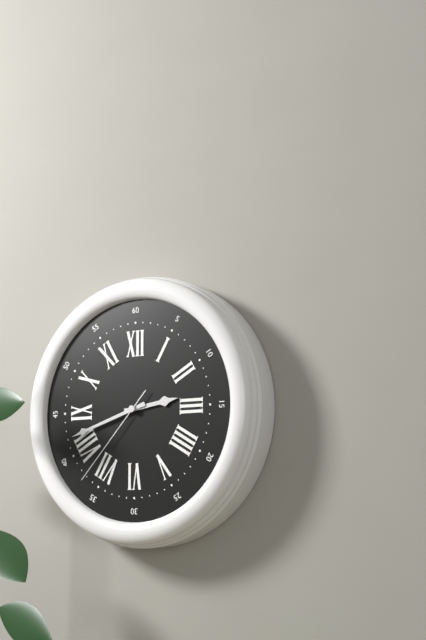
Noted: {"hour": 2, "minute": 42, "second": 37}
